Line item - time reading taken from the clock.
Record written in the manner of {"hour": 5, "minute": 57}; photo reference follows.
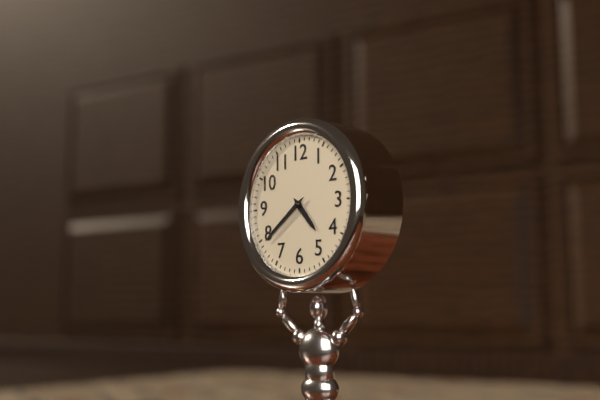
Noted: {"hour": 4, "minute": 39}
